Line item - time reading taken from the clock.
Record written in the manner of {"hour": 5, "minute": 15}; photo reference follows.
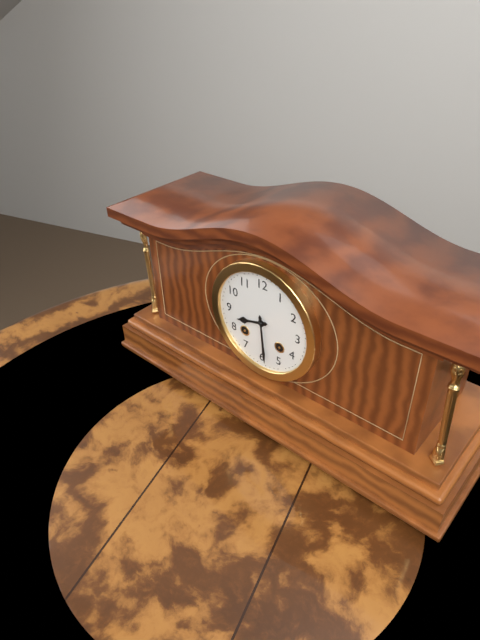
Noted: {"hour": 8, "minute": 29}
